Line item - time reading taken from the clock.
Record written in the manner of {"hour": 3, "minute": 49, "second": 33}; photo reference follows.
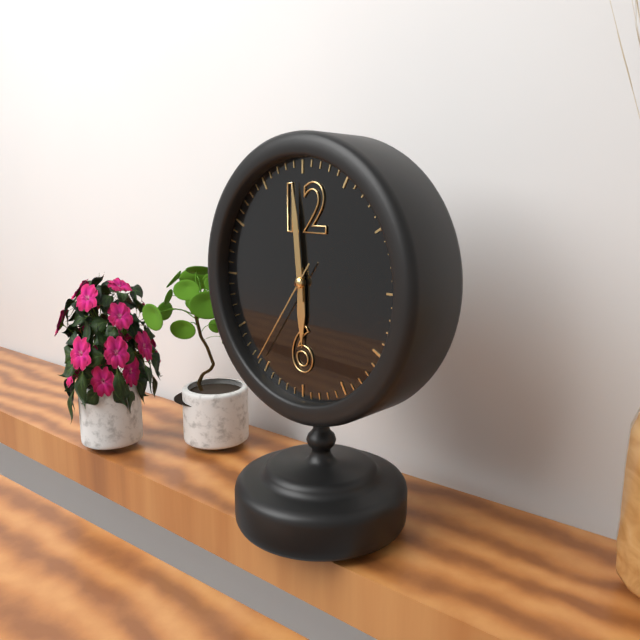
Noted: {"hour": 5, "minute": 59, "second": 36}
